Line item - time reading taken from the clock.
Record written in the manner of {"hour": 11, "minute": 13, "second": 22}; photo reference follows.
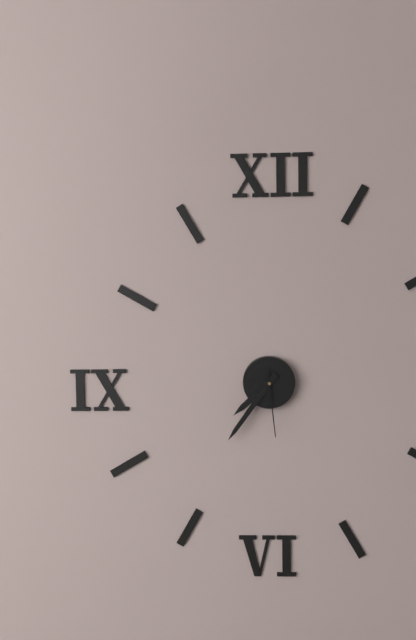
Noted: {"hour": 7, "minute": 36, "second": 29}
